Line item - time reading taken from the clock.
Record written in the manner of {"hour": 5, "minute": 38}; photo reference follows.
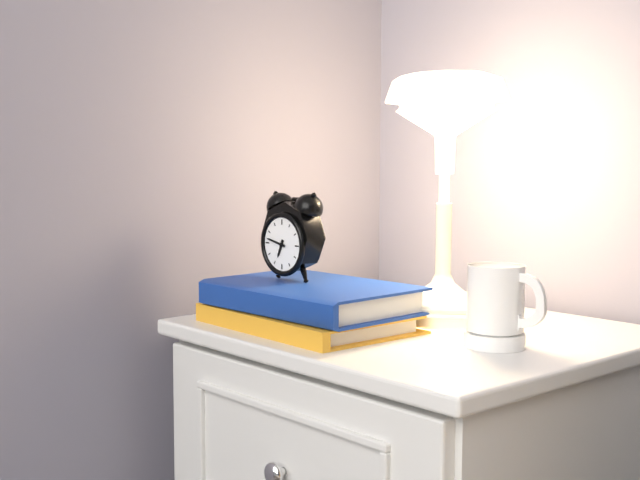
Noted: {"hour": 6, "minute": 47}
